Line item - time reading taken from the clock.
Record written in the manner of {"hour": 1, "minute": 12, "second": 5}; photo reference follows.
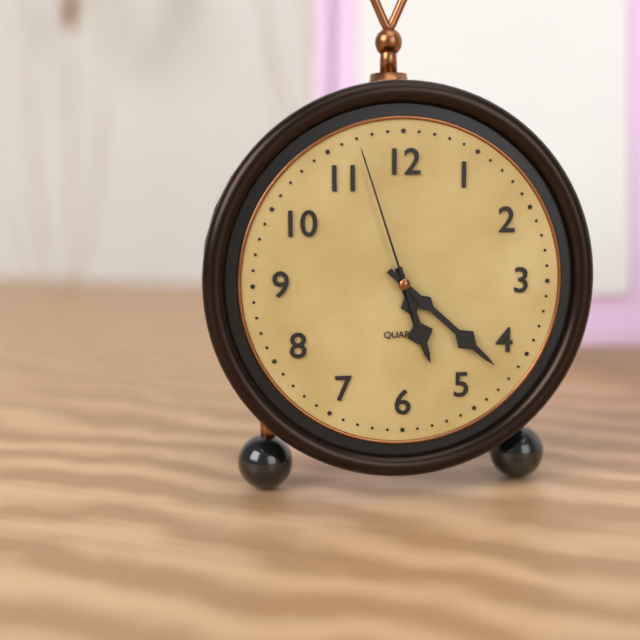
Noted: {"hour": 5, "minute": 22, "second": 57}
